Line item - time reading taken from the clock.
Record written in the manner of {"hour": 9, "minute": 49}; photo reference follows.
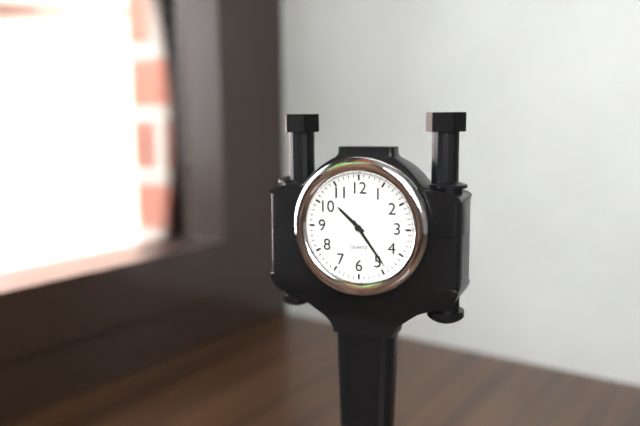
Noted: {"hour": 10, "minute": 24}
